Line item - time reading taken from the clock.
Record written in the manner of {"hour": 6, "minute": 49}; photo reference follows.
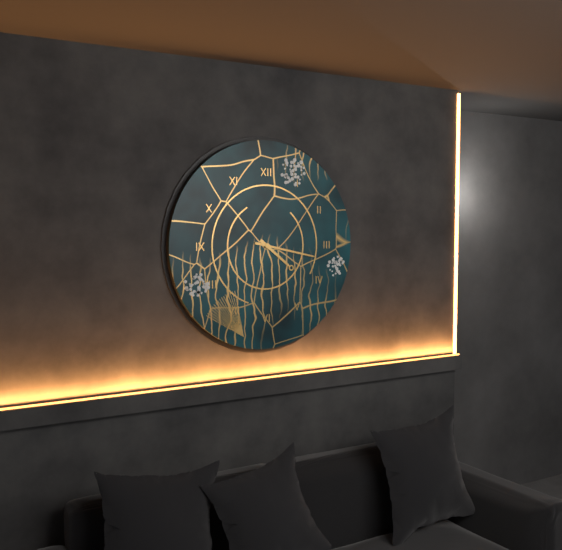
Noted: {"hour": 4, "minute": 17}
